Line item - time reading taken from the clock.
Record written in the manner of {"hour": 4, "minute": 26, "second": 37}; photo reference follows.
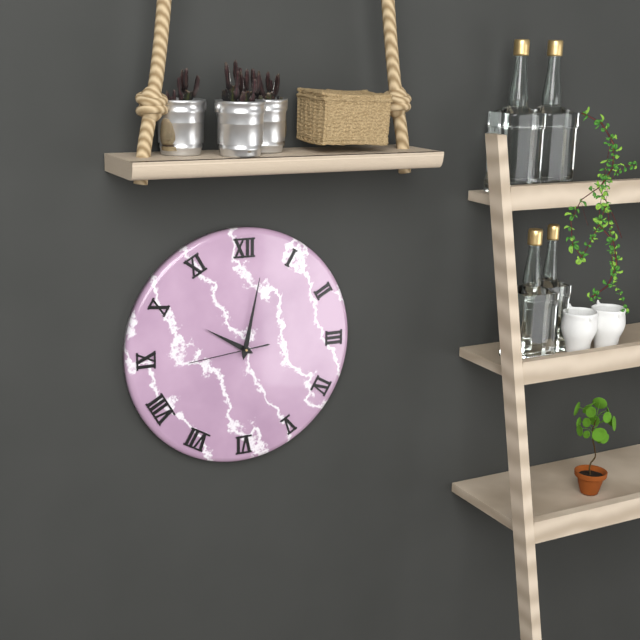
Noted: {"hour": 10, "minute": 2, "second": 44}
